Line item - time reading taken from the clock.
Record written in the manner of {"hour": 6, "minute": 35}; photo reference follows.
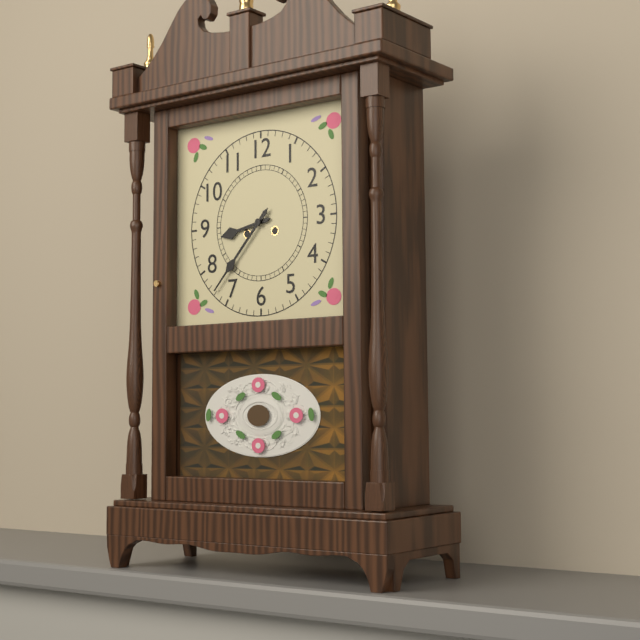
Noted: {"hour": 8, "minute": 37}
